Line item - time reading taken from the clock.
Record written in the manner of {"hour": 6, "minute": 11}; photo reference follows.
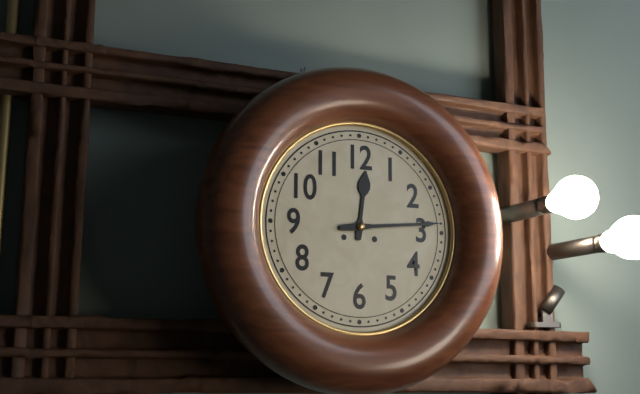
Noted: {"hour": 12, "minute": 14}
